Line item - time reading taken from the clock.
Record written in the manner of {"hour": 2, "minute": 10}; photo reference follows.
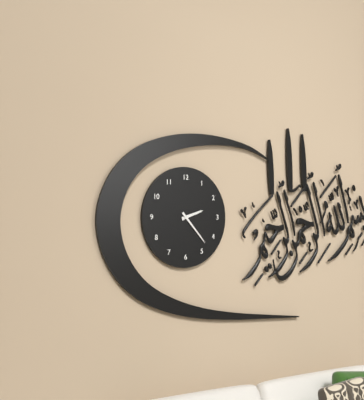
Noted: {"hour": 2, "minute": 23}
